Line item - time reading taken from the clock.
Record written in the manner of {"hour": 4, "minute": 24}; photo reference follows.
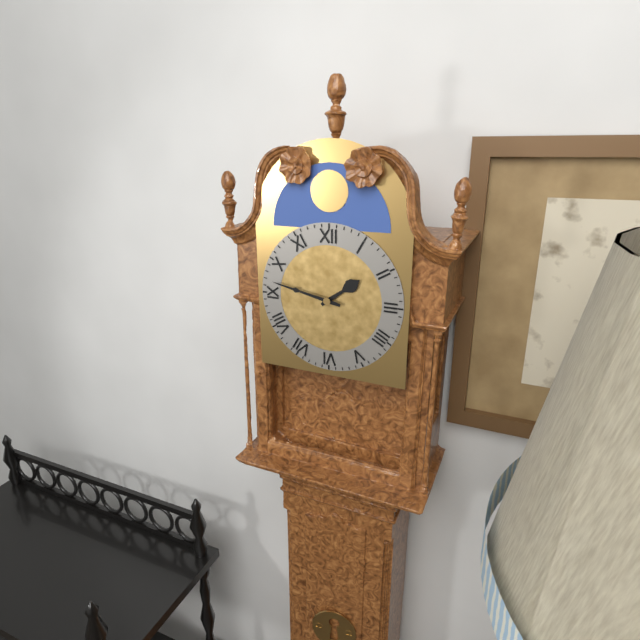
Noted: {"hour": 1, "minute": 47}
